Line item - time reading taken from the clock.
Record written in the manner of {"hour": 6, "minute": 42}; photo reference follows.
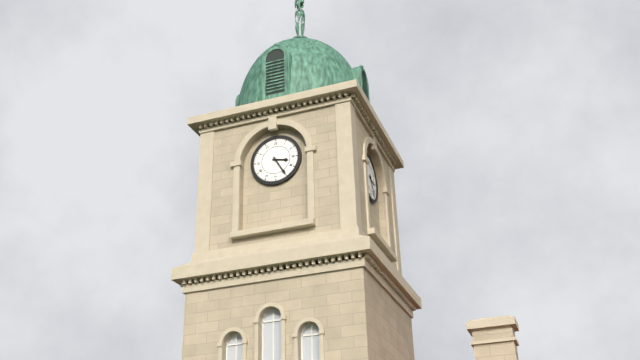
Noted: {"hour": 3, "minute": 25}
